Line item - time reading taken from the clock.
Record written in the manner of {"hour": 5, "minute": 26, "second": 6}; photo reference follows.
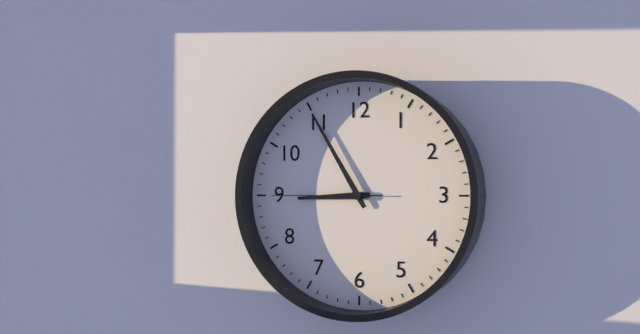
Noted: {"hour": 8, "minute": 55, "second": 45}
